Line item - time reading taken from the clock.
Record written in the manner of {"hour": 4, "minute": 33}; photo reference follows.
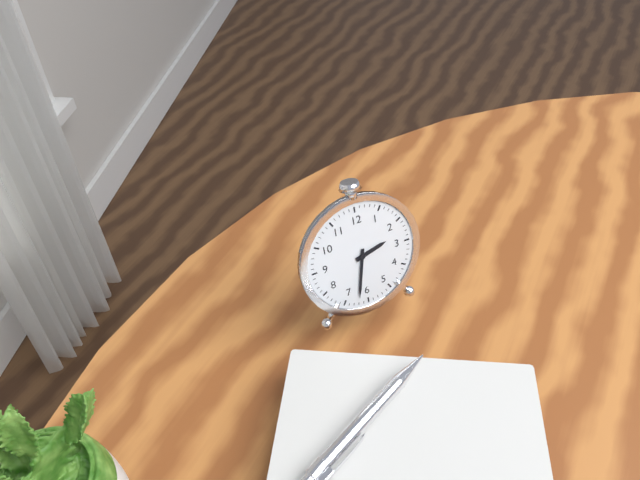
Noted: {"hour": 2, "minute": 32}
